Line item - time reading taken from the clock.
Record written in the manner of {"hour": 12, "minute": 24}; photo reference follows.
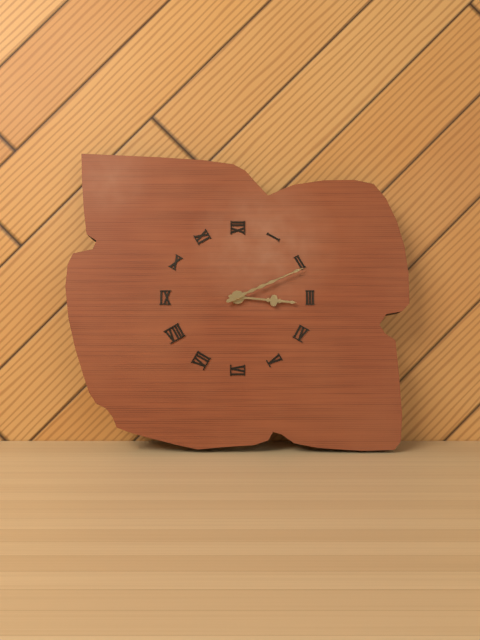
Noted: {"hour": 3, "minute": 11}
